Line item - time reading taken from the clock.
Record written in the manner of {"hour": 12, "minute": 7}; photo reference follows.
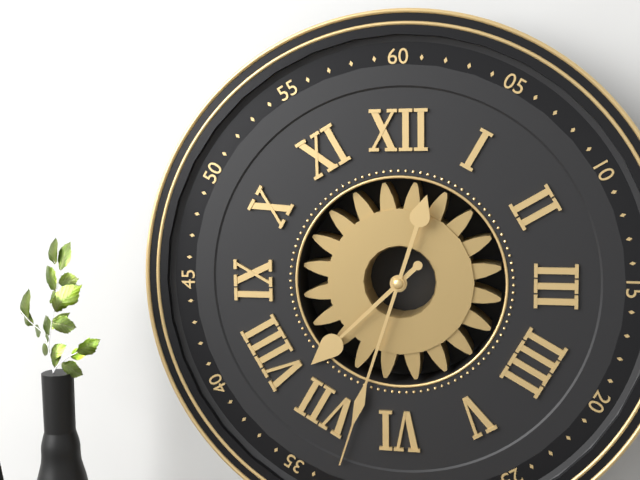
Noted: {"hour": 7, "minute": 33}
